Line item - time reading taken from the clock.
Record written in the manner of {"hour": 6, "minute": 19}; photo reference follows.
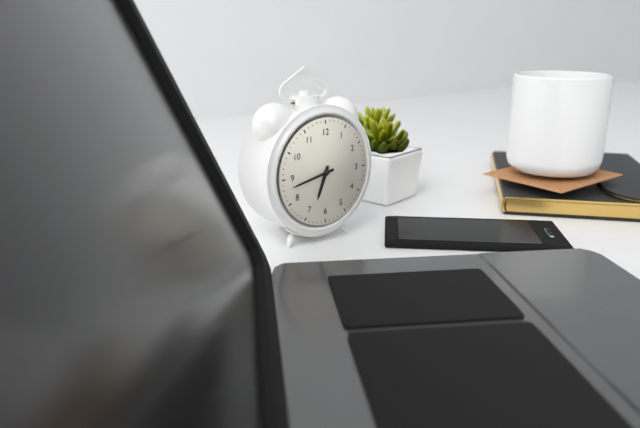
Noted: {"hour": 6, "minute": 43}
